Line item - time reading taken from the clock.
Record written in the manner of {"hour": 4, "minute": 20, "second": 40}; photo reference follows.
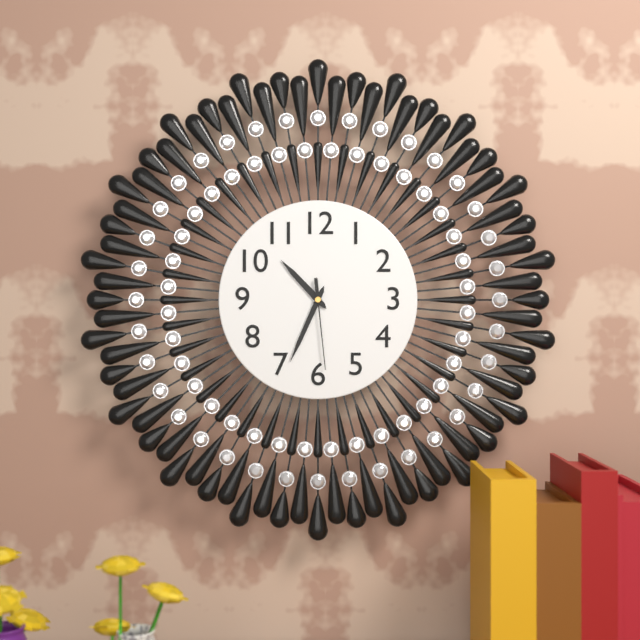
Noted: {"hour": 10, "minute": 34, "second": 29}
